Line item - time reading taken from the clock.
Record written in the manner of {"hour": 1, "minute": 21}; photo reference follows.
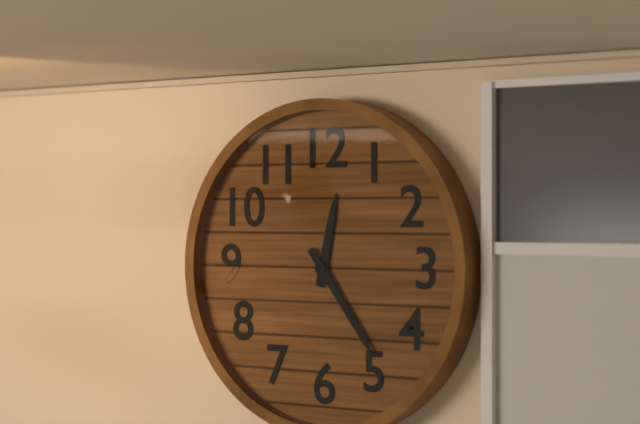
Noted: {"hour": 12, "minute": 24}
